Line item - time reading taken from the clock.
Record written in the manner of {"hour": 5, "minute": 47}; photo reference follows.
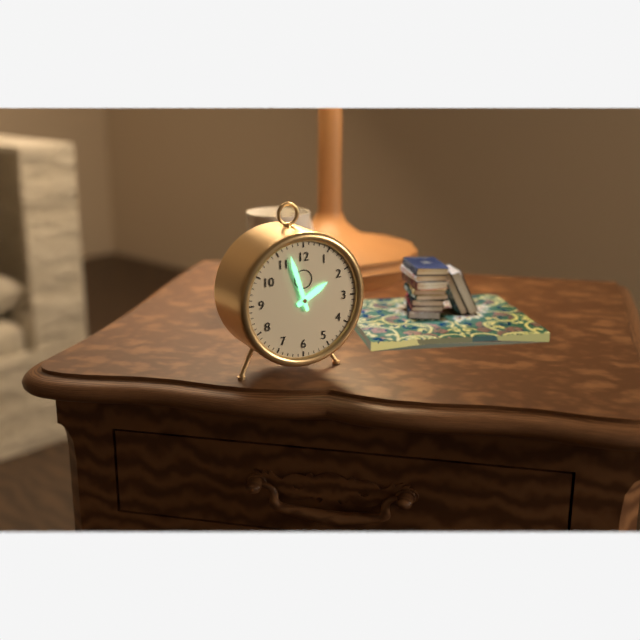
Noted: {"hour": 1, "minute": 57}
